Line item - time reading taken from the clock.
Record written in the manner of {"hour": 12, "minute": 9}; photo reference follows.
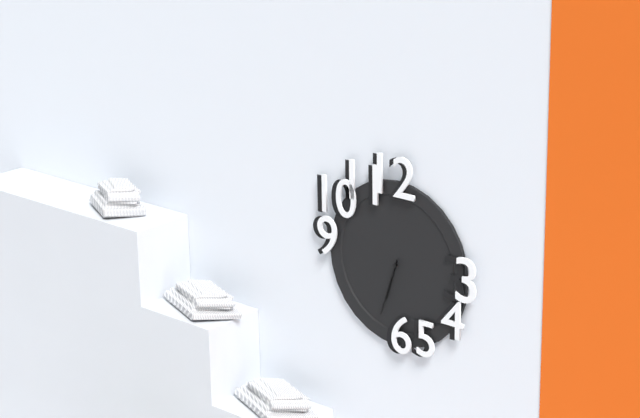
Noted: {"hour": 6, "minute": 33}
